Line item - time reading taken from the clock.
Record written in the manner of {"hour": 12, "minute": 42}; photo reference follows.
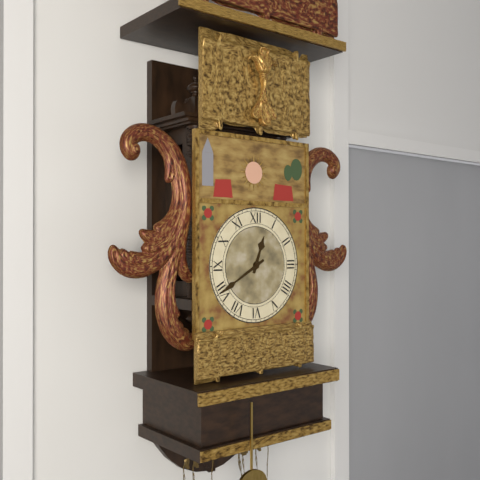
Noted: {"hour": 12, "minute": 40}
